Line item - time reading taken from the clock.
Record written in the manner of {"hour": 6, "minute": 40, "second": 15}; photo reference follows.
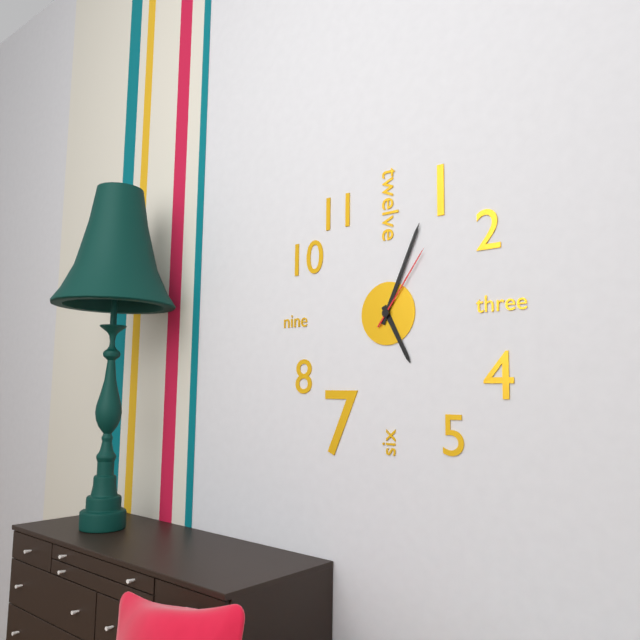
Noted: {"hour": 5, "minute": 4, "second": 6}
